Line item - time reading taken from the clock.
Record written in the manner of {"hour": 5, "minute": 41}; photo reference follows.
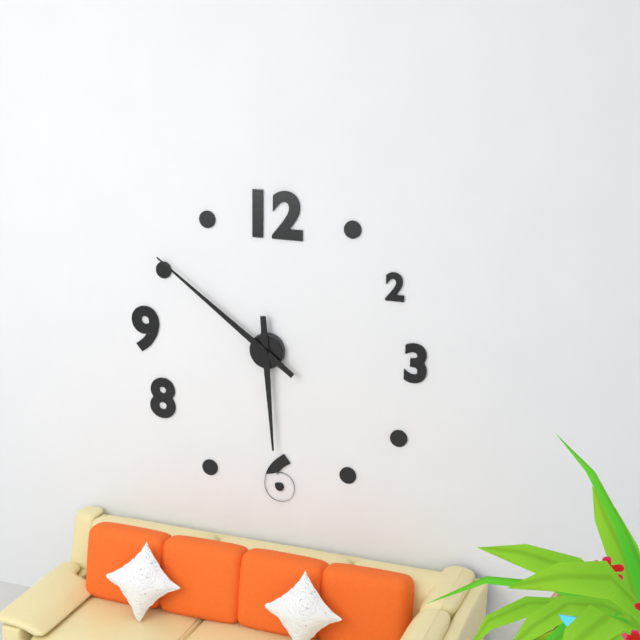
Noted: {"hour": 5, "minute": 51}
